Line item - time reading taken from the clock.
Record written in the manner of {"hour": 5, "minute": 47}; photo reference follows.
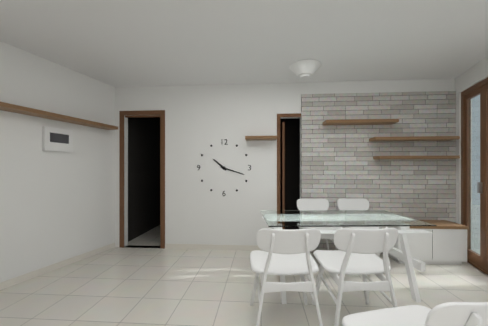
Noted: {"hour": 10, "minute": 18}
